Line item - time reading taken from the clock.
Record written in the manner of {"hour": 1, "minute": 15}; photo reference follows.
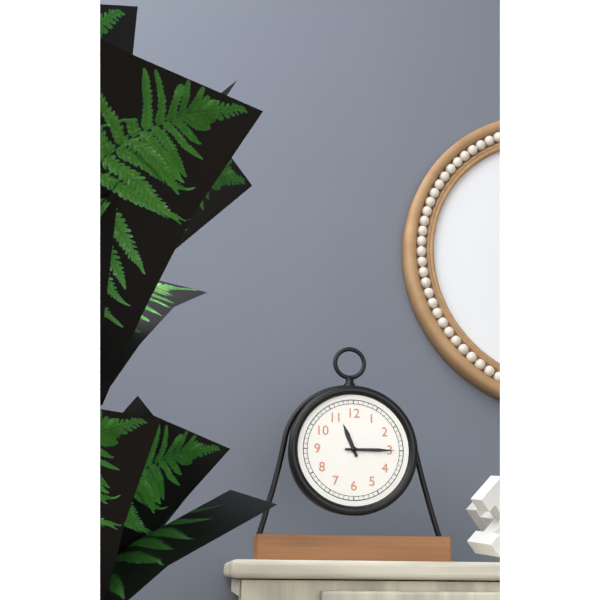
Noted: {"hour": 11, "minute": 15}
